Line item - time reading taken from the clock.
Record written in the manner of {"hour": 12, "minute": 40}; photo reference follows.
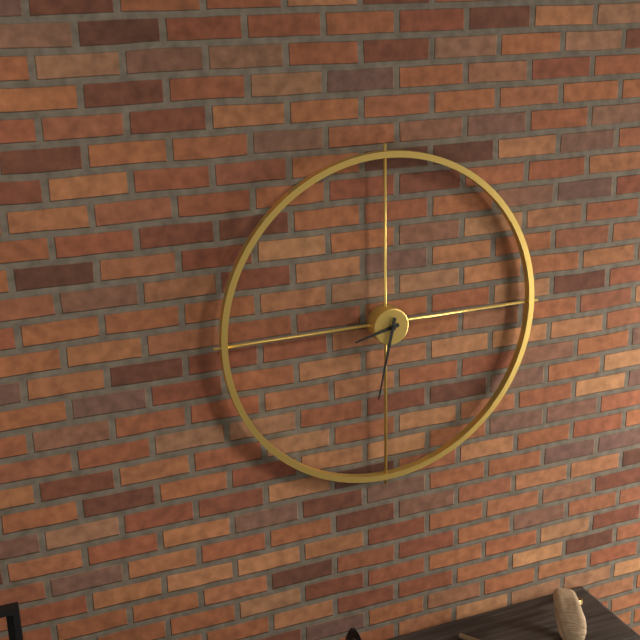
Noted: {"hour": 8, "minute": 32}
